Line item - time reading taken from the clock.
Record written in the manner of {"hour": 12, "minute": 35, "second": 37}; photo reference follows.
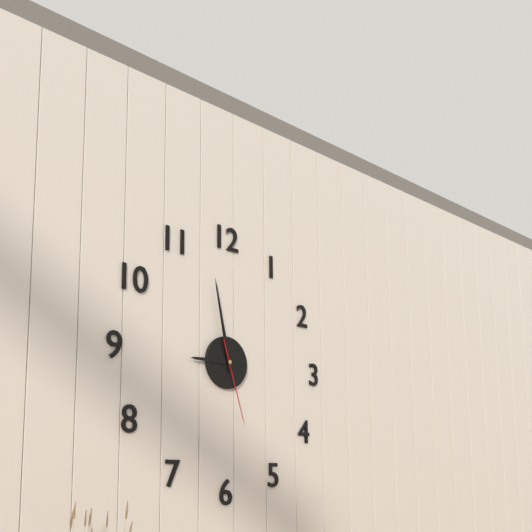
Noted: {"hour": 8, "minute": 58, "second": 27}
